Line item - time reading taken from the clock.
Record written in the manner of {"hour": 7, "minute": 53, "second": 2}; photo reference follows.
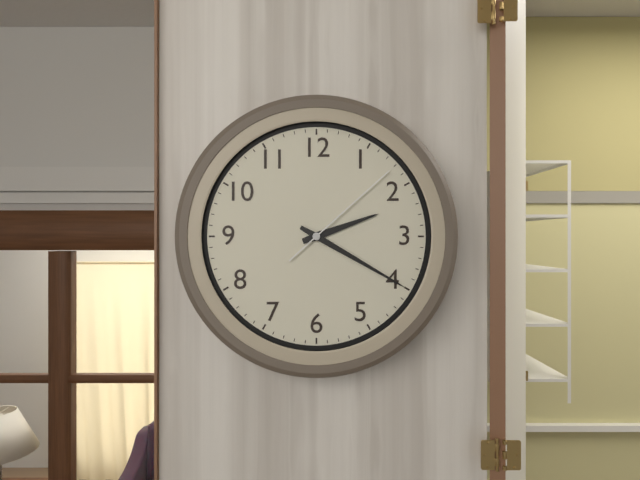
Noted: {"hour": 2, "minute": 20, "second": 8}
